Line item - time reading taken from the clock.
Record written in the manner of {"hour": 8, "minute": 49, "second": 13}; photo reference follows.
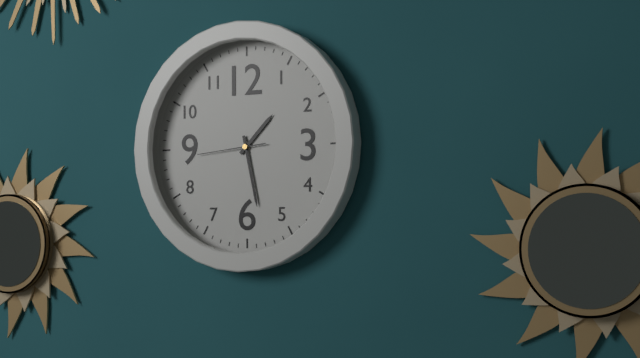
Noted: {"hour": 1, "minute": 28, "second": 44}
